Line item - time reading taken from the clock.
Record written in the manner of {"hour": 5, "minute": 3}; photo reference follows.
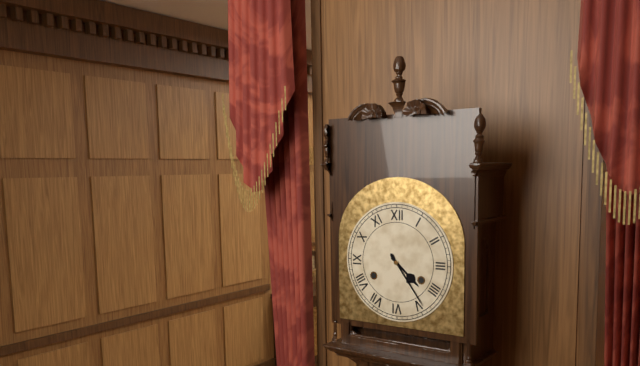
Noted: {"hour": 4, "minute": 24}
